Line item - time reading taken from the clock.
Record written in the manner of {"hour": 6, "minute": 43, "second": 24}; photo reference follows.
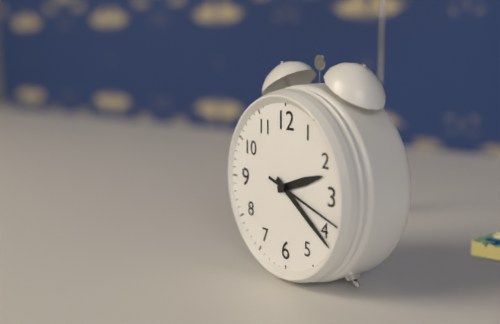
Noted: {"hour": 2, "minute": 21, "second": 18}
